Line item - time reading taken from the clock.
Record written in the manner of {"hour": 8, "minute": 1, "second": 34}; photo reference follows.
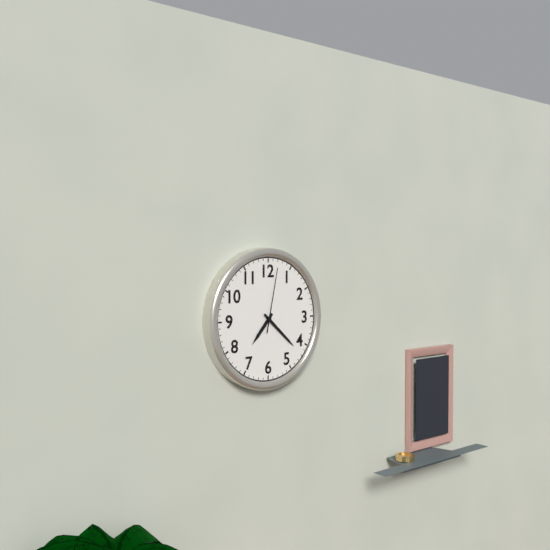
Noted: {"hour": 7, "minute": 22, "second": 2}
